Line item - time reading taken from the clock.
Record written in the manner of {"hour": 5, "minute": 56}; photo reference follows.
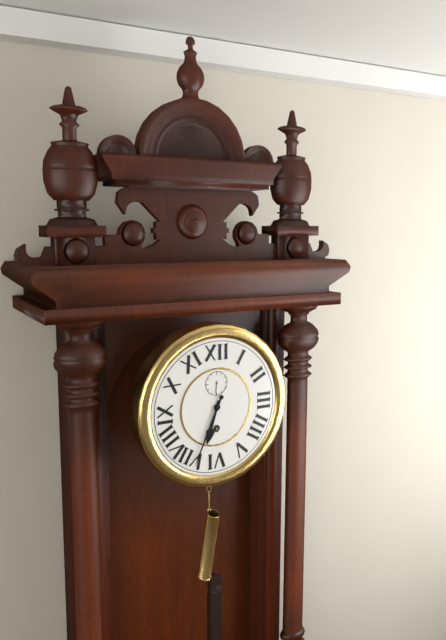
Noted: {"hour": 6, "minute": 34}
